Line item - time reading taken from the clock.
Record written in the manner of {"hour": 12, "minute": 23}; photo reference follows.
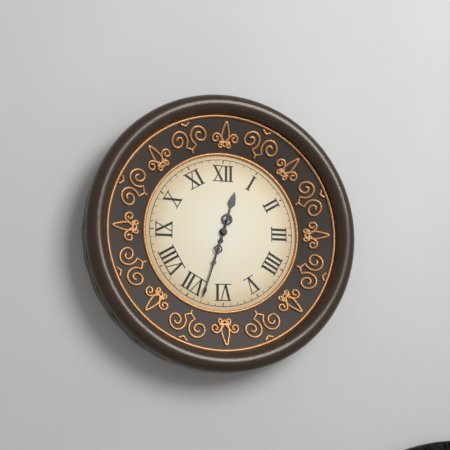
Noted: {"hour": 12, "minute": 33}
